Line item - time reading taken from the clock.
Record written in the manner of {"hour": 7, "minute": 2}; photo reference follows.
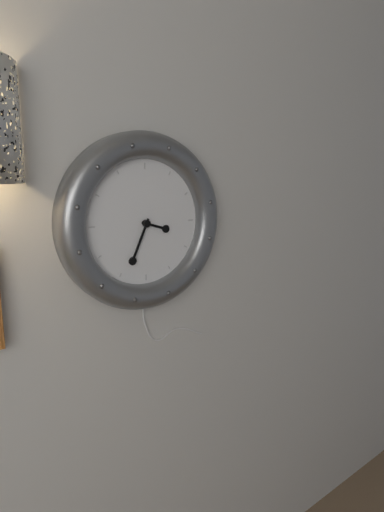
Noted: {"hour": 3, "minute": 34}
